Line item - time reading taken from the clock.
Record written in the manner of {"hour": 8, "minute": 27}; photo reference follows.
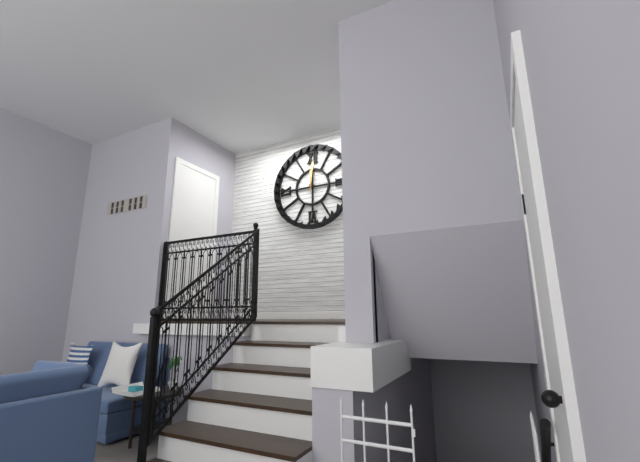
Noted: {"hour": 12, "minute": 1}
